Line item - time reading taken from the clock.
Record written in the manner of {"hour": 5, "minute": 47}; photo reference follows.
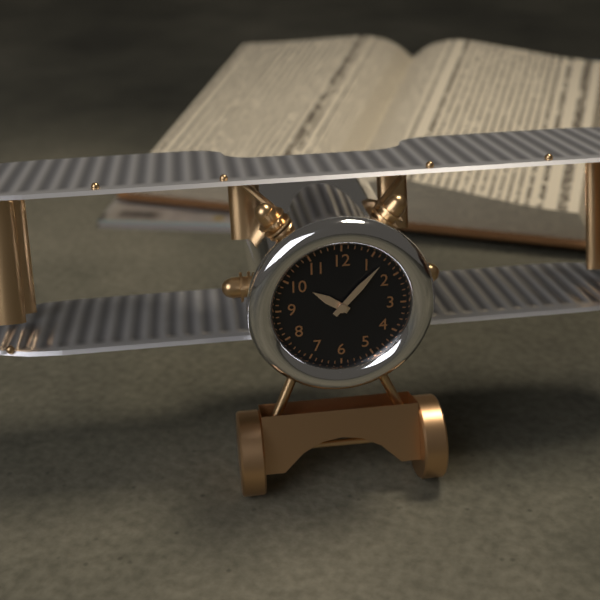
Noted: {"hour": 10, "minute": 7}
